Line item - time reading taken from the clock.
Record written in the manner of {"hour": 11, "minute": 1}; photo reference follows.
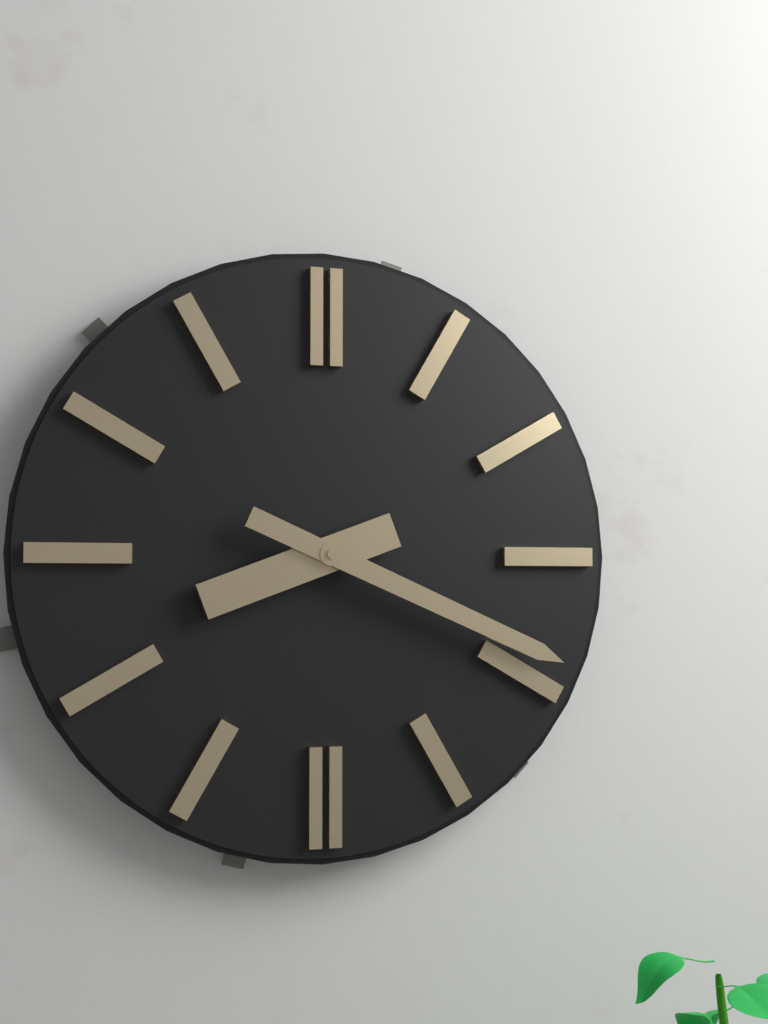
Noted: {"hour": 8, "minute": 19}
